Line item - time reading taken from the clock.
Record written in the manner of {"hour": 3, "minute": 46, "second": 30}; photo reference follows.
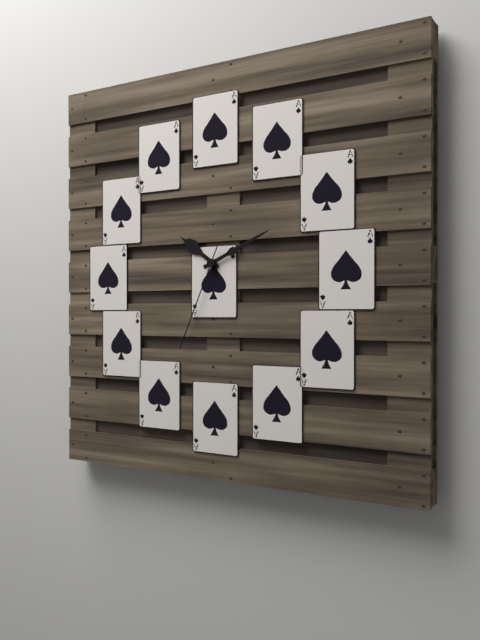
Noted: {"hour": 10, "minute": 11, "second": 34}
